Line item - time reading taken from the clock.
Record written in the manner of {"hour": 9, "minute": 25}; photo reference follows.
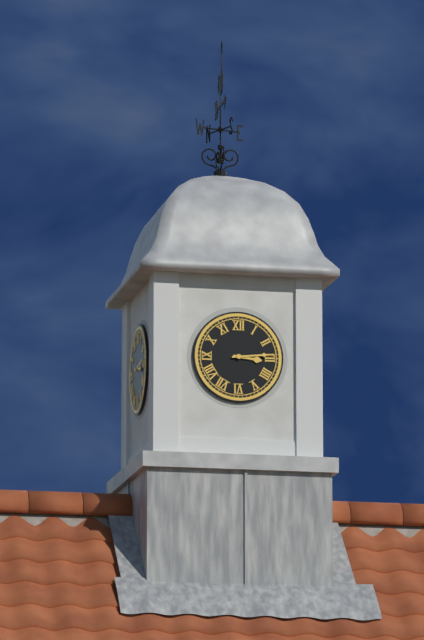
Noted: {"hour": 3, "minute": 14}
